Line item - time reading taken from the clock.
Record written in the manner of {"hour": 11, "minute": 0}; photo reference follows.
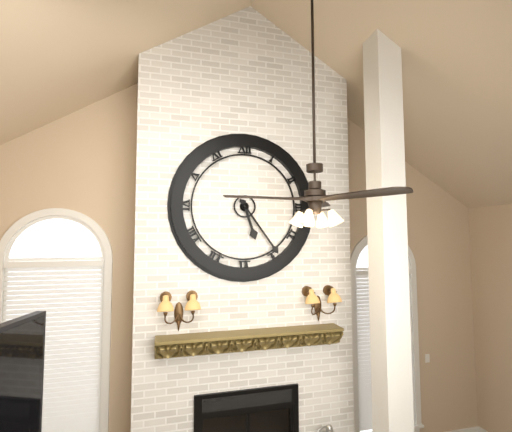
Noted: {"hour": 5, "minute": 24}
